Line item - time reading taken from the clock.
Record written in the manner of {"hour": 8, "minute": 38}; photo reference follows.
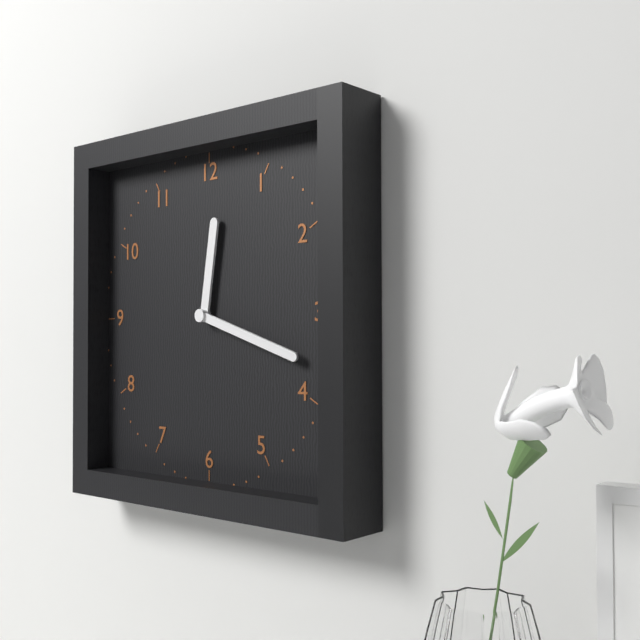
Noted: {"hour": 12, "minute": 18}
